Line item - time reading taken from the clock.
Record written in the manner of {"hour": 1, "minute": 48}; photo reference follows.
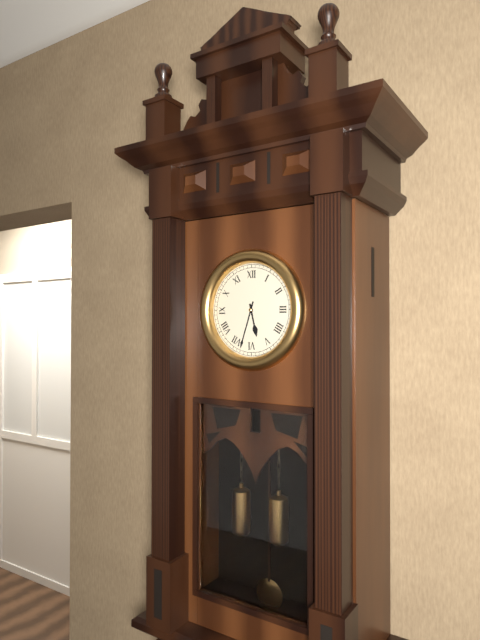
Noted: {"hour": 5, "minute": 33}
